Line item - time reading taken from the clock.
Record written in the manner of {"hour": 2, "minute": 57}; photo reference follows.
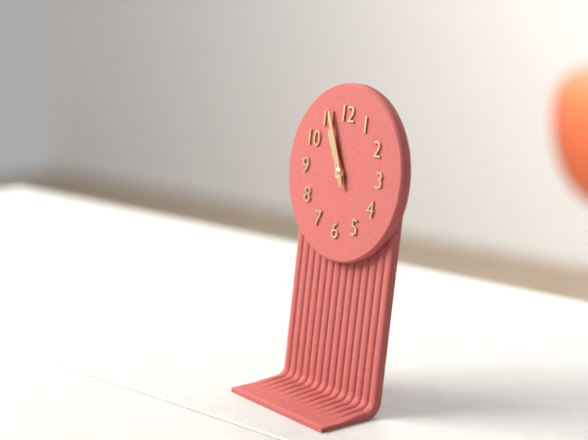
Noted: {"hour": 10, "minute": 56}
